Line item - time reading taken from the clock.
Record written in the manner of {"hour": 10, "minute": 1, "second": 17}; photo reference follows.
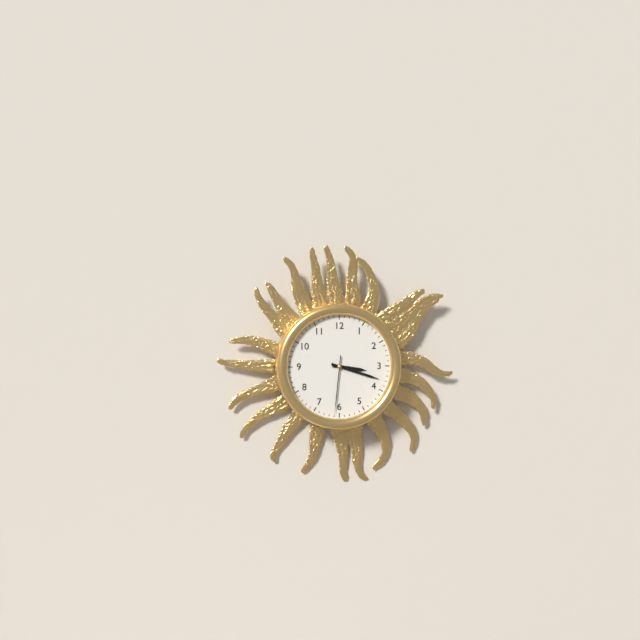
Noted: {"hour": 3, "minute": 18, "second": 31}
